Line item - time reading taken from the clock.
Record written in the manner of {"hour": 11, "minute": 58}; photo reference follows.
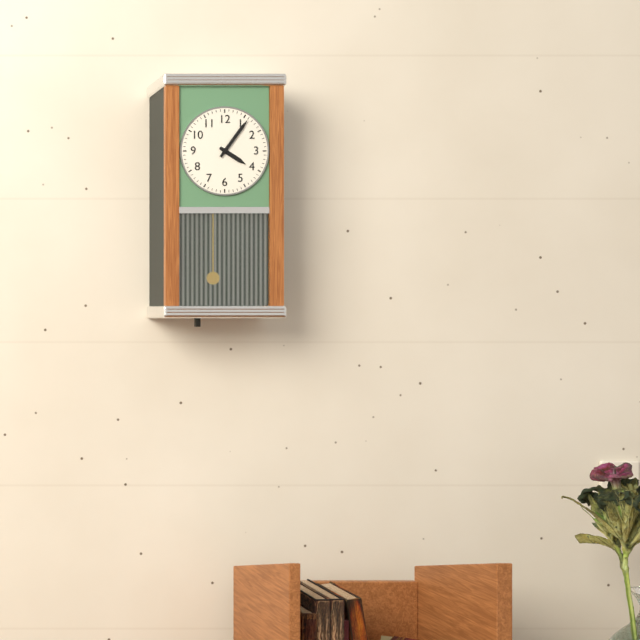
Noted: {"hour": 4, "minute": 6}
